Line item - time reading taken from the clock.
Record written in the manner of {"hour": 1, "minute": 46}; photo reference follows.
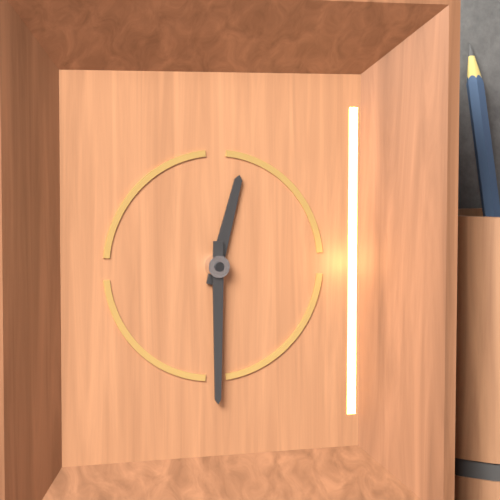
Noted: {"hour": 12, "minute": 30}
